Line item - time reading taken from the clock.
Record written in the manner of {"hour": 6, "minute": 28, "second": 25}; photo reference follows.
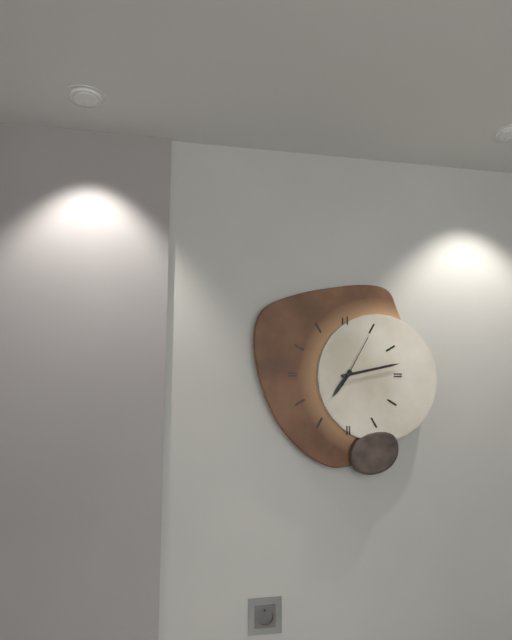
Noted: {"hour": 7, "minute": 13, "second": 5}
